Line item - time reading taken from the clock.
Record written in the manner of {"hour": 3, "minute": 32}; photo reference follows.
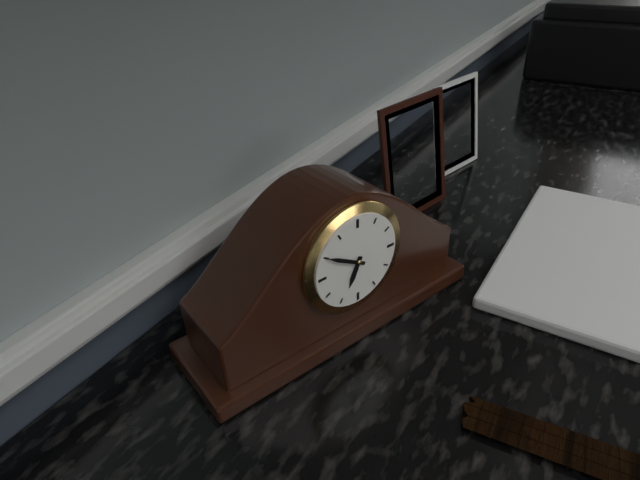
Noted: {"hour": 6, "minute": 50}
